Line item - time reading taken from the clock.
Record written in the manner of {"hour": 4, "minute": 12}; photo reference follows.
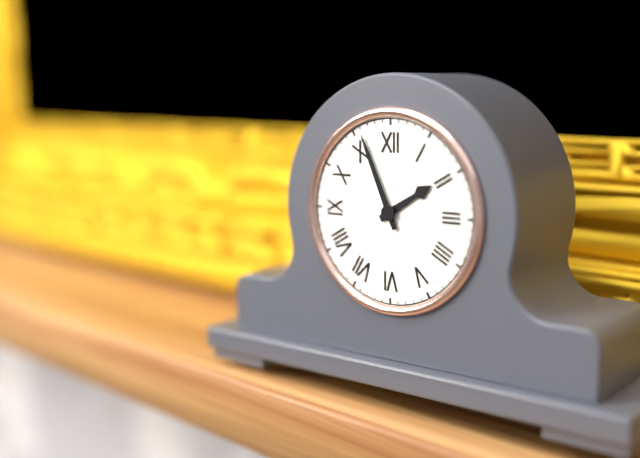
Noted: {"hour": 1, "minute": 56}
